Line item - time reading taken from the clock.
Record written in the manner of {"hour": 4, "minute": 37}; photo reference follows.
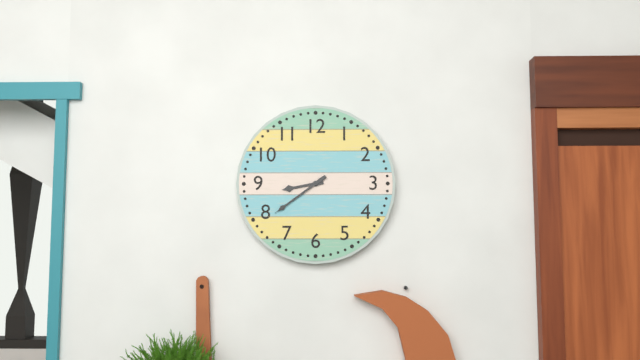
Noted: {"hour": 8, "minute": 39}
